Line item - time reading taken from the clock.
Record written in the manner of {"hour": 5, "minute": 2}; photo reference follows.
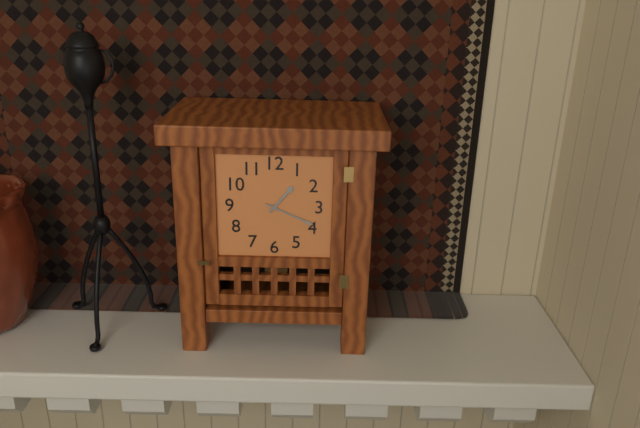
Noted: {"hour": 1, "minute": 19}
